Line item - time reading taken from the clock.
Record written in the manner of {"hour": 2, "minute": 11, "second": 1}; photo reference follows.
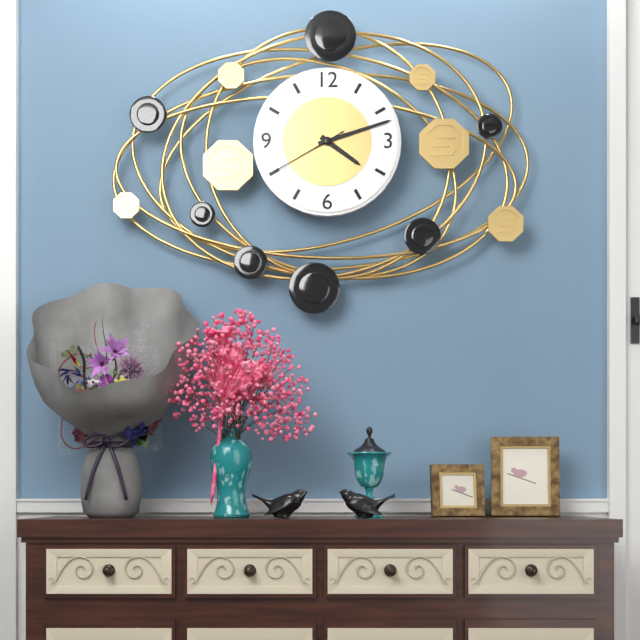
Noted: {"hour": 4, "minute": 12, "second": 40}
